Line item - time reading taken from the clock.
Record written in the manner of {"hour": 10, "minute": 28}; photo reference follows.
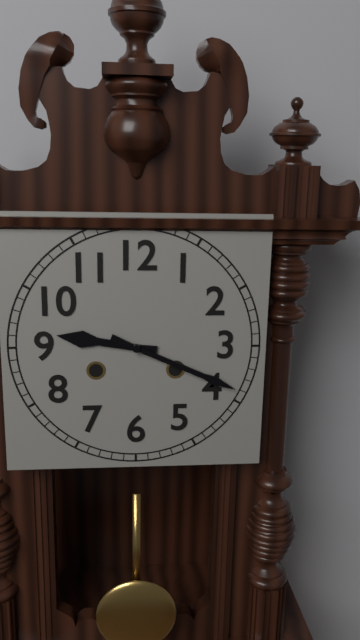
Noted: {"hour": 9, "minute": 19}
